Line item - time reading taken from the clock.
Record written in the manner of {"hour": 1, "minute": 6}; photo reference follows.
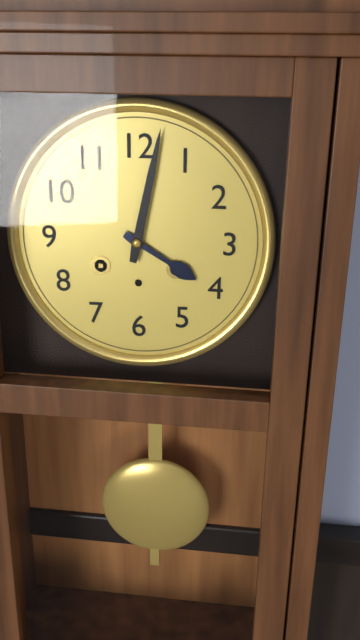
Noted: {"hour": 4, "minute": 2}
